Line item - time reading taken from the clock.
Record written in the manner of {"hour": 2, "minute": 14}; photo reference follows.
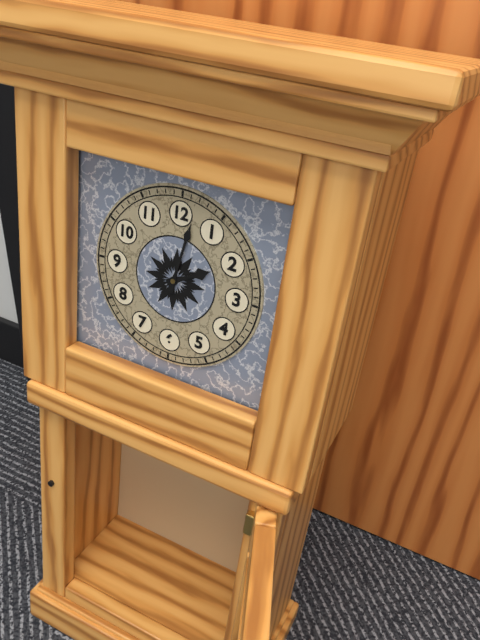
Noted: {"hour": 2, "minute": 2}
